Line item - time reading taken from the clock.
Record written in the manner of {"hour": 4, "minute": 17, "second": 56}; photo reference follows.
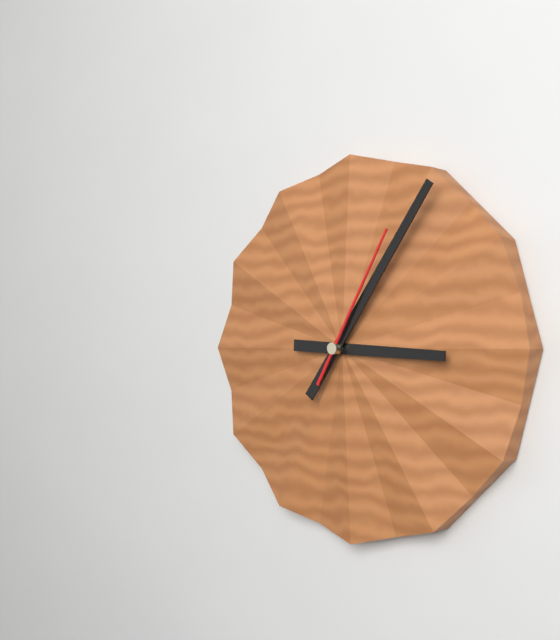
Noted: {"hour": 3, "minute": 6, "second": 5}
